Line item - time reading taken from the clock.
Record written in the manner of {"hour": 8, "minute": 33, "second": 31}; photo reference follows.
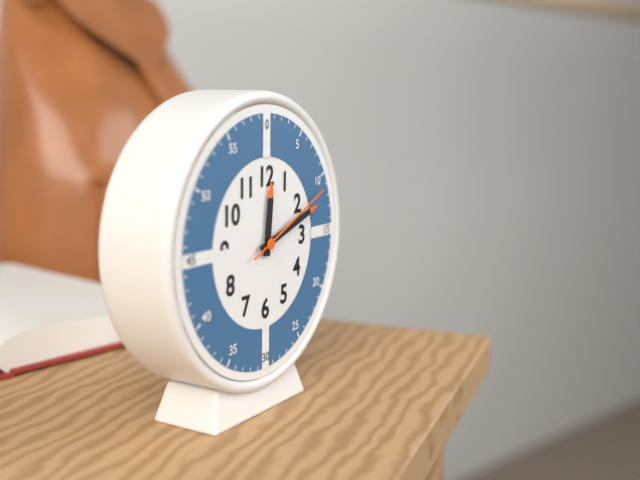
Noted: {"hour": 12, "minute": 12, "second": 11}
